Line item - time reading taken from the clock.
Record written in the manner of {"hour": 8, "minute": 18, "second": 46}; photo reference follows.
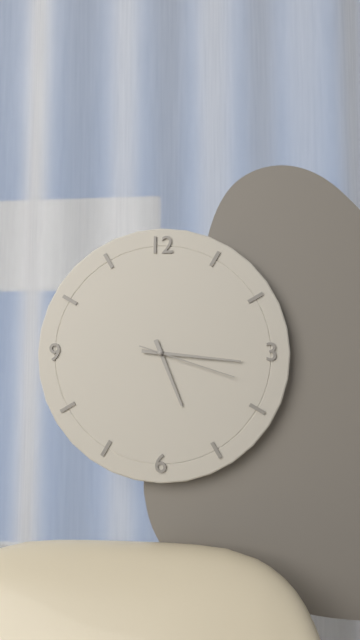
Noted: {"hour": 5, "minute": 16, "second": 18}
